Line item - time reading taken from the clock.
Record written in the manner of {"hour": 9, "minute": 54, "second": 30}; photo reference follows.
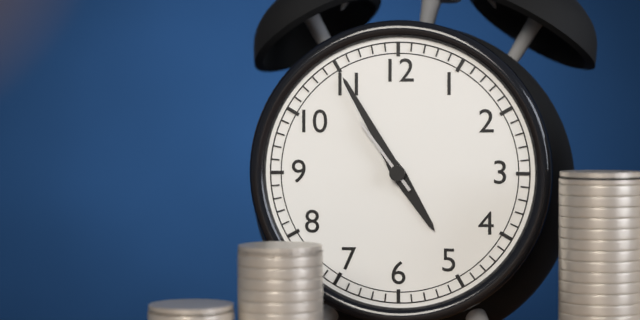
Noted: {"hour": 4, "minute": 55, "second": 54}
